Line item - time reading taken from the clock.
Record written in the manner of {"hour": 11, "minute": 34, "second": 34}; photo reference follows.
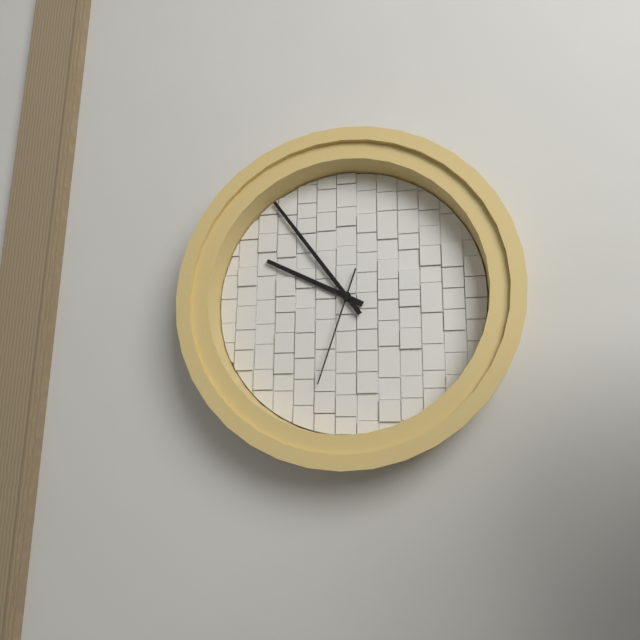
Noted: {"hour": 9, "minute": 54, "second": 33}
